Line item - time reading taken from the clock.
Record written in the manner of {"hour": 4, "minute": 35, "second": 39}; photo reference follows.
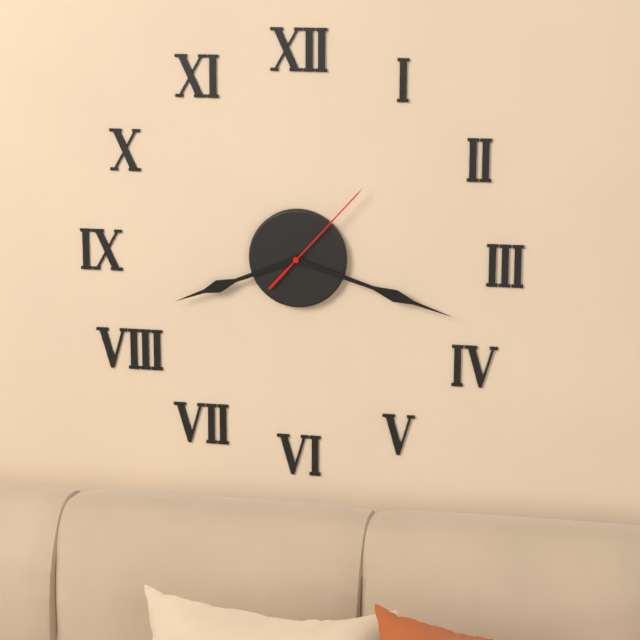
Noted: {"hour": 8, "minute": 18, "second": 7}
